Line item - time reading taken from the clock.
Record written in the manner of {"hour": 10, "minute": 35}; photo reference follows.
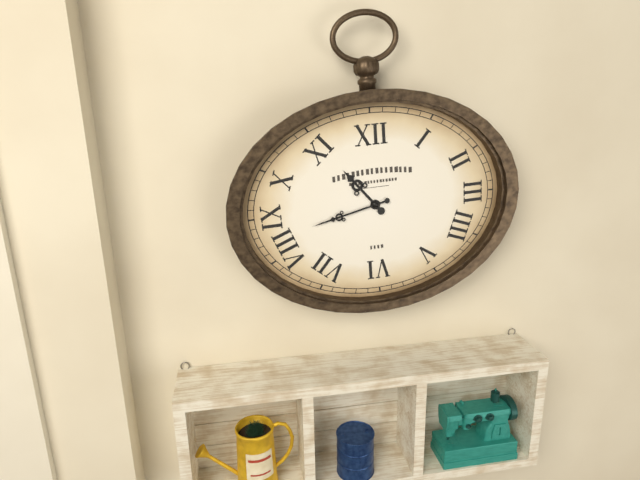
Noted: {"hour": 10, "minute": 43}
